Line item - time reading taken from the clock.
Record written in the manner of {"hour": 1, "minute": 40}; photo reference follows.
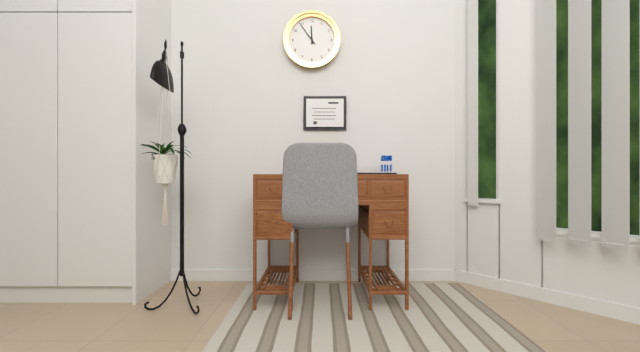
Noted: {"hour": 11, "minute": 54}
